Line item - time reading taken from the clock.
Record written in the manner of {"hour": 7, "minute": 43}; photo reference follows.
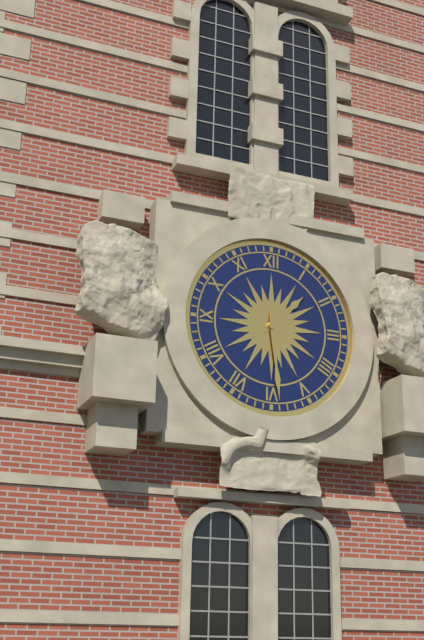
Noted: {"hour": 1, "minute": 29}
